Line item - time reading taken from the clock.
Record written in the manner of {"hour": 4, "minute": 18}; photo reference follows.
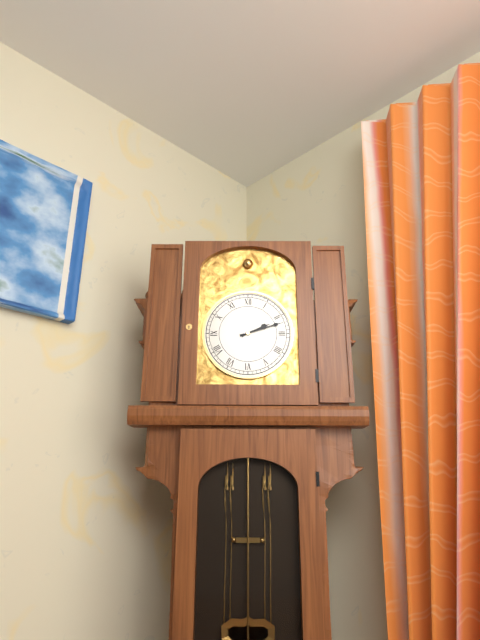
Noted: {"hour": 2, "minute": 12}
